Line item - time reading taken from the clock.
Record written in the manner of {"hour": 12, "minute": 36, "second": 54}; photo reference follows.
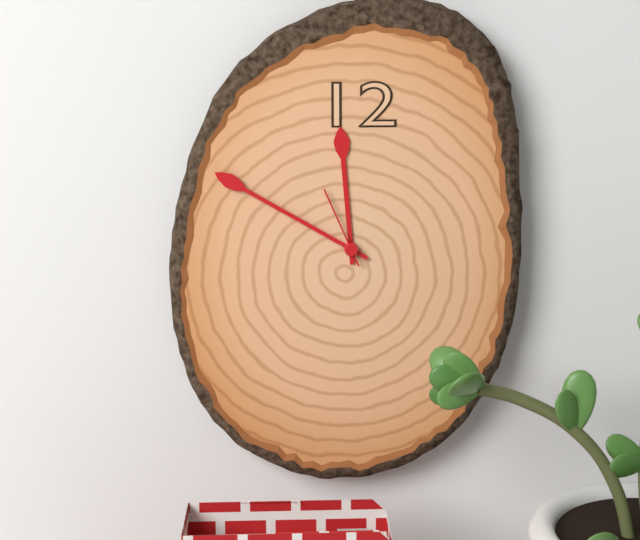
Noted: {"hour": 11, "minute": 50, "second": 56}
